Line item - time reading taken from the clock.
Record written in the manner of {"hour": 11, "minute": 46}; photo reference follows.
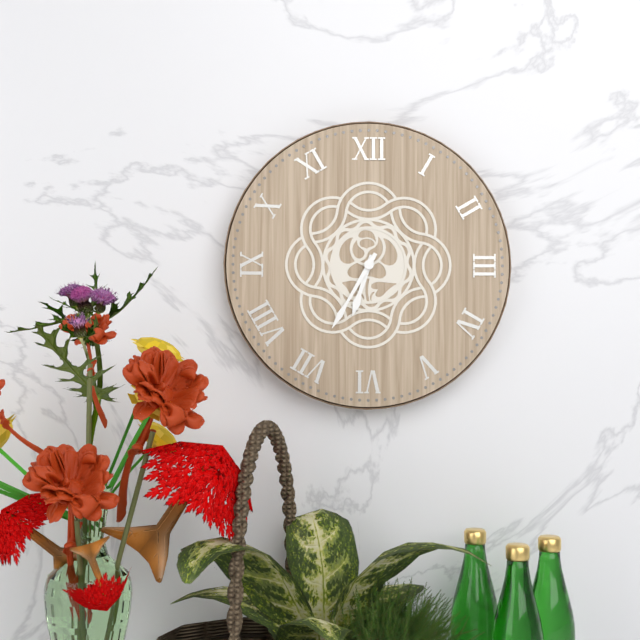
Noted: {"hour": 6, "minute": 35}
